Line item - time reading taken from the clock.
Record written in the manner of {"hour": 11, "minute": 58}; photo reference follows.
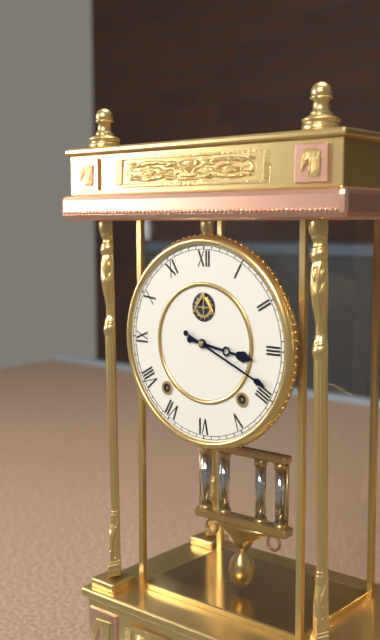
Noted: {"hour": 3, "minute": 19}
